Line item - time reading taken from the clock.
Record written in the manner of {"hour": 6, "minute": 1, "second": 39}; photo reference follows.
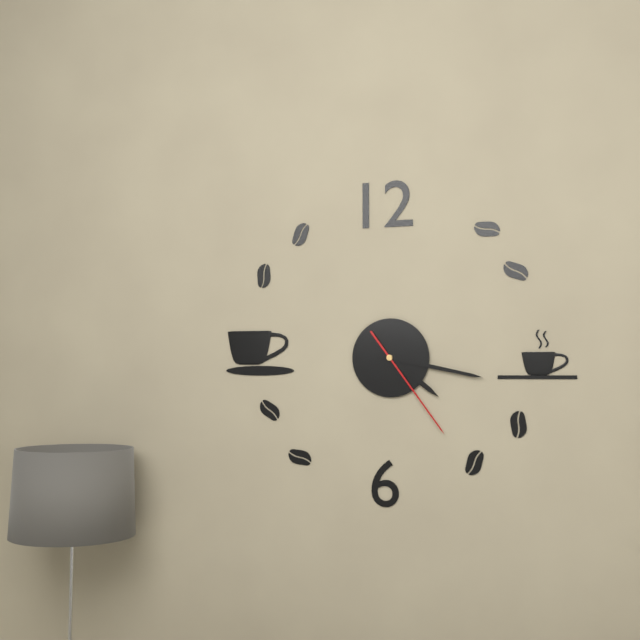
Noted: {"hour": 4, "minute": 17, "second": 24}
